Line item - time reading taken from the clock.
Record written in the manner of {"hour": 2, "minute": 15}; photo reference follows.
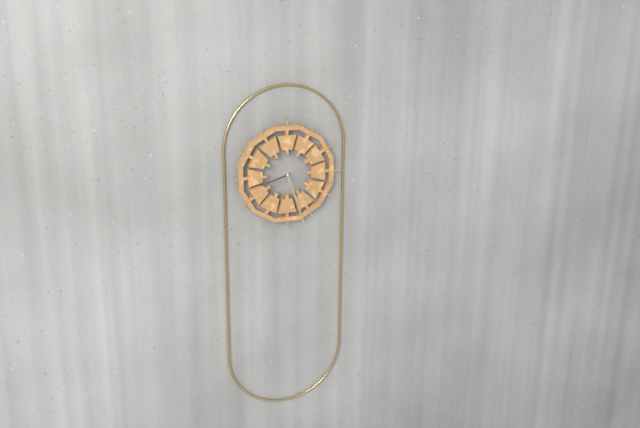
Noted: {"hour": 8, "minute": 27}
